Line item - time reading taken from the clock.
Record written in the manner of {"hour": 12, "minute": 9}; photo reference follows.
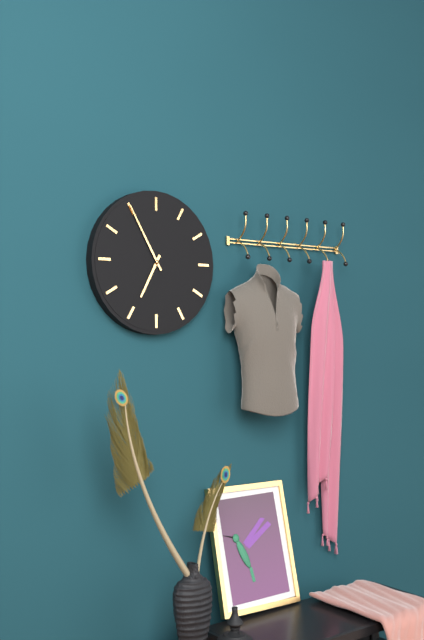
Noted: {"hour": 6, "minute": 55}
